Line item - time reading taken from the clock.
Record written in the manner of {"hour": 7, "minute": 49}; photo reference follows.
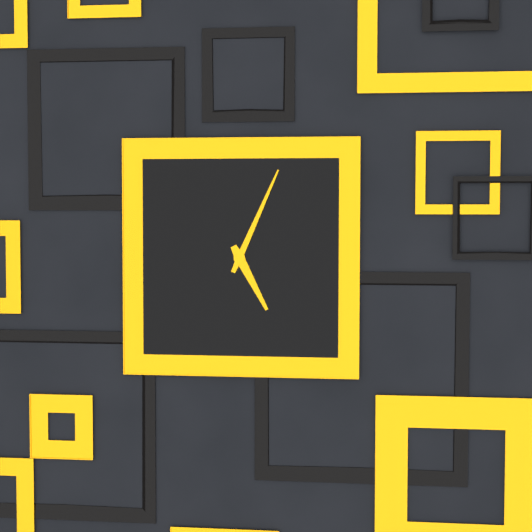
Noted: {"hour": 5, "minute": 4}
